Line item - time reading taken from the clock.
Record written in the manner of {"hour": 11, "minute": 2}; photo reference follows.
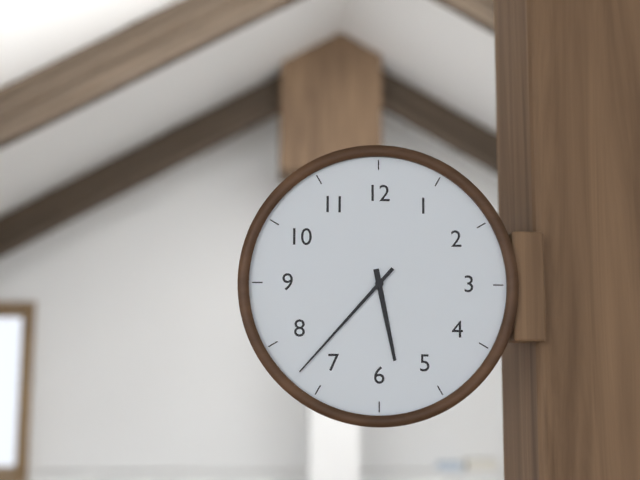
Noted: {"hour": 5, "minute": 37}
